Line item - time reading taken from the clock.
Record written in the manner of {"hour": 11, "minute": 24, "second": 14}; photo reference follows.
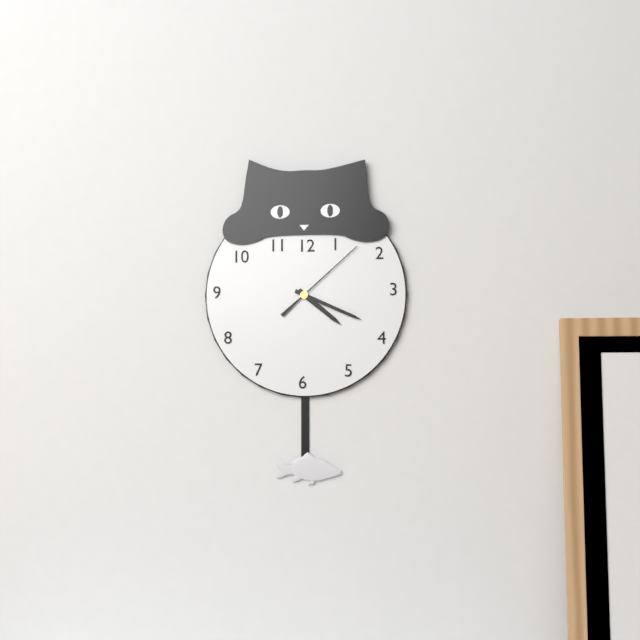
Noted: {"hour": 4, "minute": 19, "second": 8}
